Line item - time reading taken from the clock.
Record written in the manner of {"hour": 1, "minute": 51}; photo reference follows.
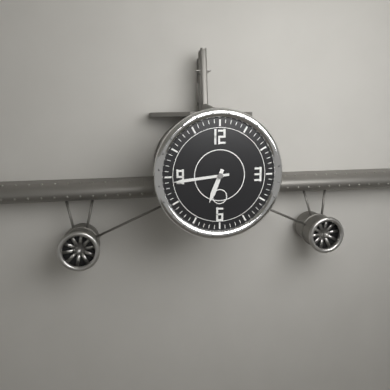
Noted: {"hour": 6, "minute": 44}
